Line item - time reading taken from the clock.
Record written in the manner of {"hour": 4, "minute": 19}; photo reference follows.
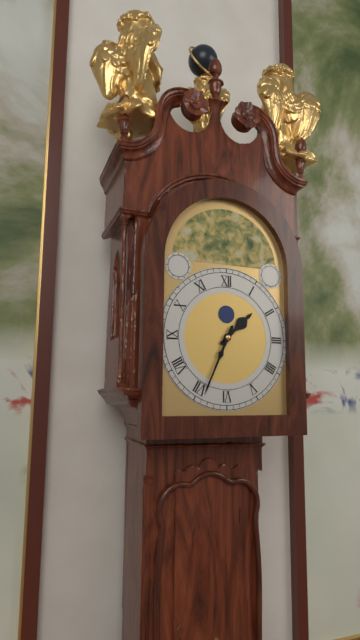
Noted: {"hour": 1, "minute": 34}
